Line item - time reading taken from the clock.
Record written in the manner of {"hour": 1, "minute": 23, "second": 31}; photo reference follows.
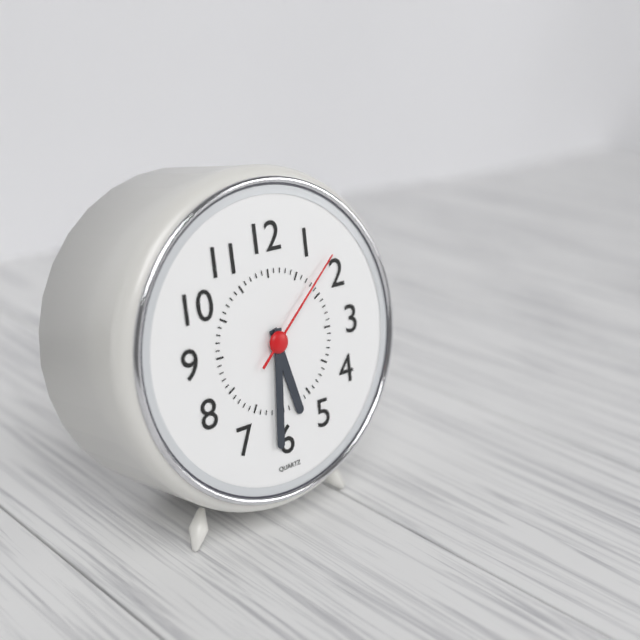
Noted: {"hour": 5, "minute": 31, "second": 8}
